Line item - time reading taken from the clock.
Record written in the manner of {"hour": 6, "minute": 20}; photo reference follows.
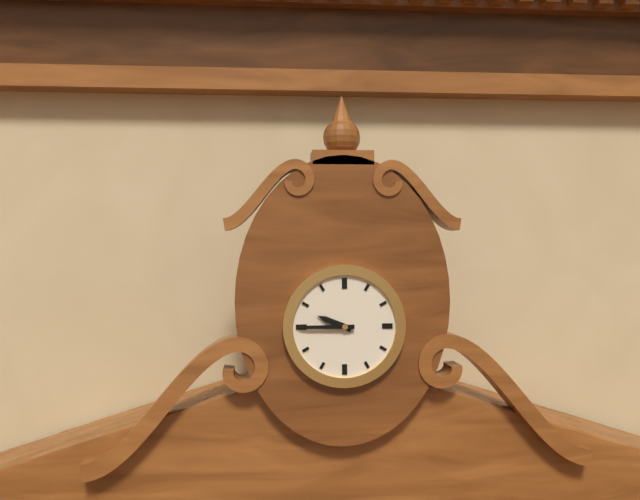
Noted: {"hour": 9, "minute": 45}
